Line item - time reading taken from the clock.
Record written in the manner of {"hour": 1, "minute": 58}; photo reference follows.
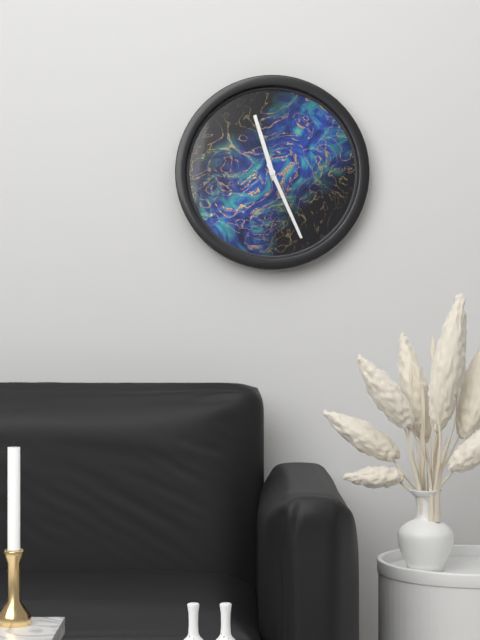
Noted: {"hour": 11, "minute": 26}
